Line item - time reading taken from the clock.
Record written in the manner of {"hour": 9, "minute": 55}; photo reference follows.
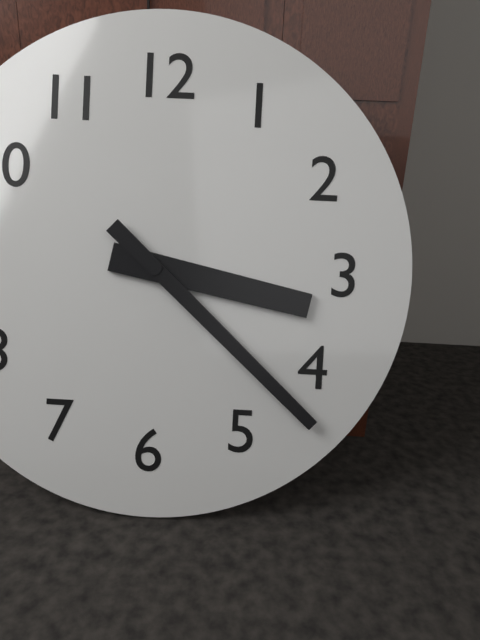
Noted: {"hour": 3, "minute": 22}
